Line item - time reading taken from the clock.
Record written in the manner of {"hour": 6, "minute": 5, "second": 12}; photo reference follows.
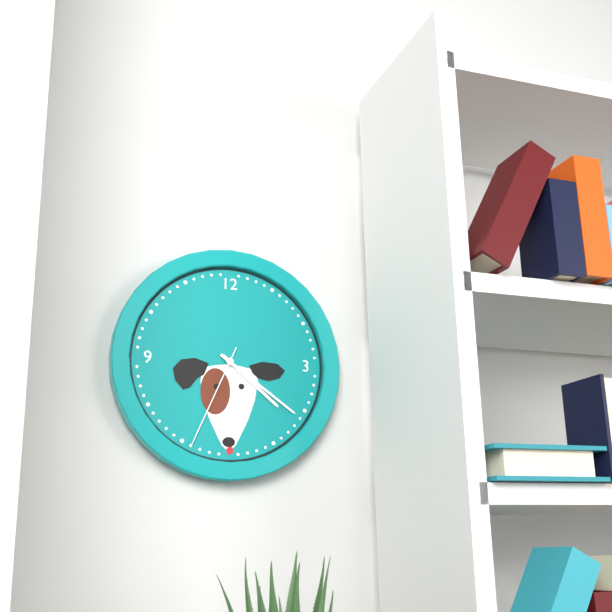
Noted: {"hour": 4, "minute": 21, "second": 34}
